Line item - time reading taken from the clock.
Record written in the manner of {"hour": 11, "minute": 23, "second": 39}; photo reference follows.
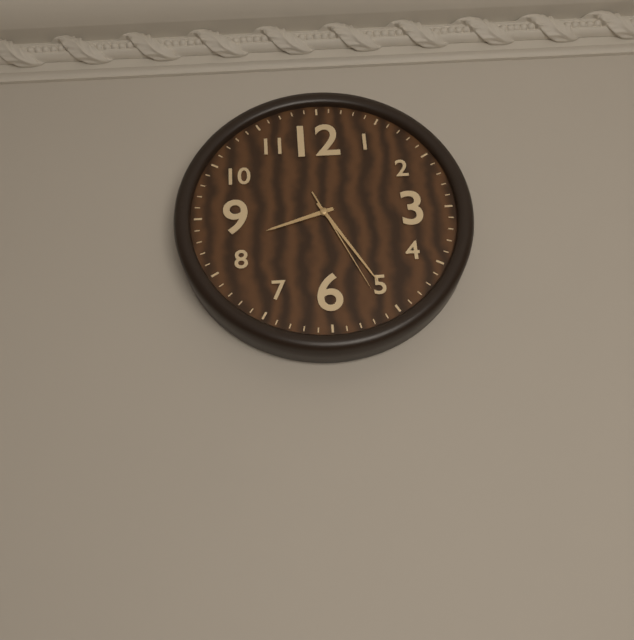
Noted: {"hour": 8, "minute": 25, "second": 26}
